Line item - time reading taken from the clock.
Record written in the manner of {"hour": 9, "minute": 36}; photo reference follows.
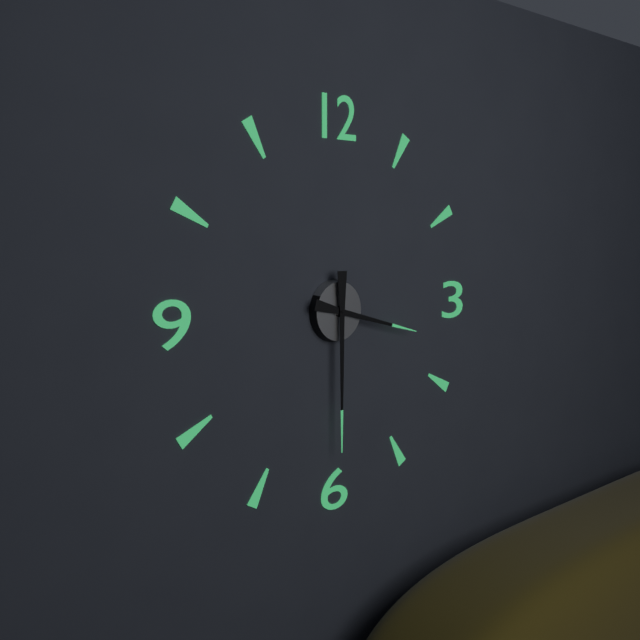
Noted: {"hour": 3, "minute": 30}
